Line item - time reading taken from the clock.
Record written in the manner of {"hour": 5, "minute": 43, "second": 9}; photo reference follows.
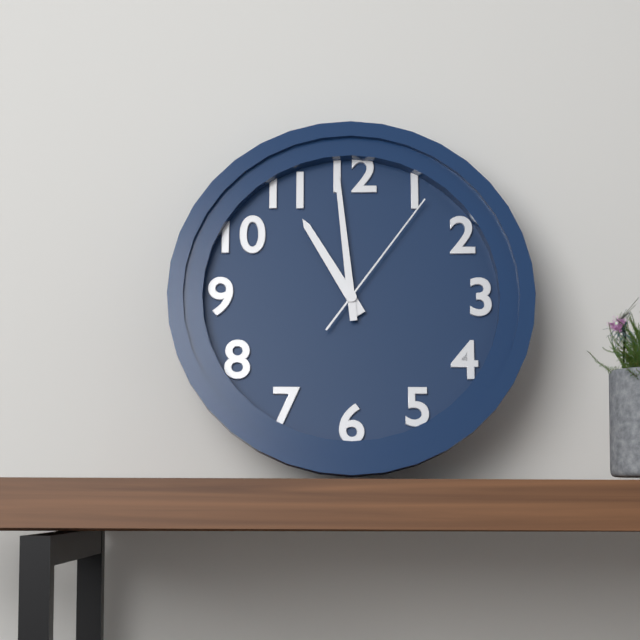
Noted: {"hour": 10, "minute": 59, "second": 6}
